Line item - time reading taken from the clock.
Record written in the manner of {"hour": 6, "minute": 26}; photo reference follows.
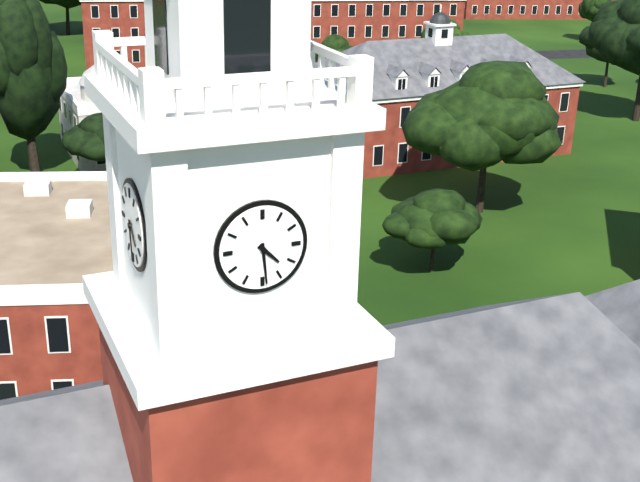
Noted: {"hour": 4, "minute": 29}
